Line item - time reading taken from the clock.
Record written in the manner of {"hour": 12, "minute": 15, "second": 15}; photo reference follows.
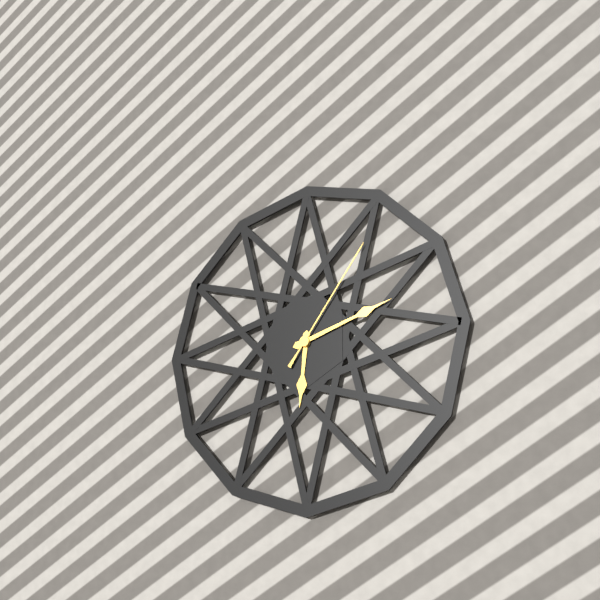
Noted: {"hour": 6, "minute": 12, "second": 6}
